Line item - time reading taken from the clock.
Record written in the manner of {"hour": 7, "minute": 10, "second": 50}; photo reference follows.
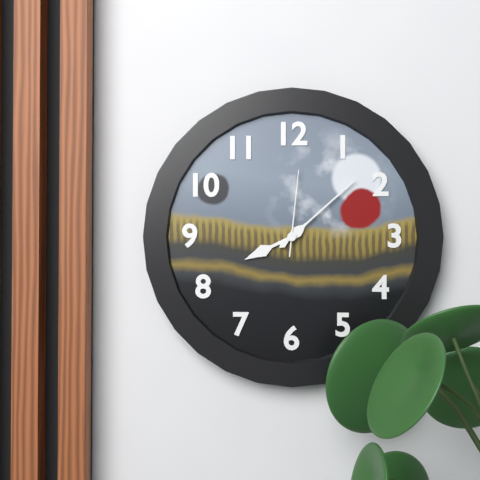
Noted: {"hour": 8, "minute": 8, "second": 1}
